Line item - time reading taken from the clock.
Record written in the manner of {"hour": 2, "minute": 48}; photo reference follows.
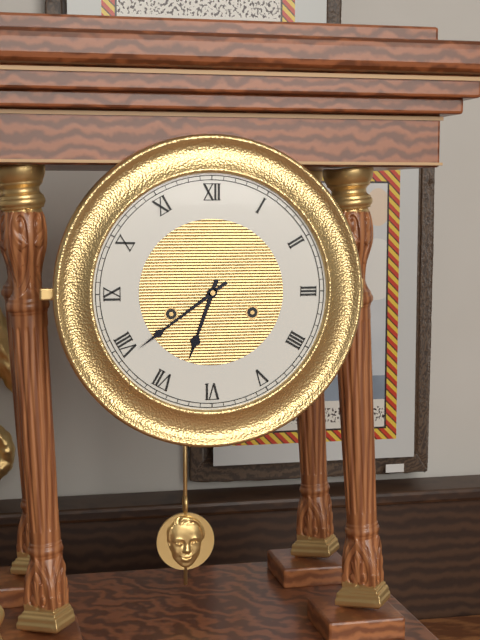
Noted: {"hour": 6, "minute": 39}
